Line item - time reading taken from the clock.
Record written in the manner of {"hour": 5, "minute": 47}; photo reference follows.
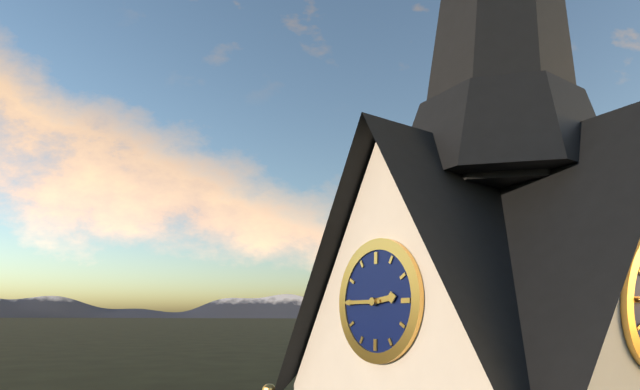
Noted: {"hour": 2, "minute": 45}
